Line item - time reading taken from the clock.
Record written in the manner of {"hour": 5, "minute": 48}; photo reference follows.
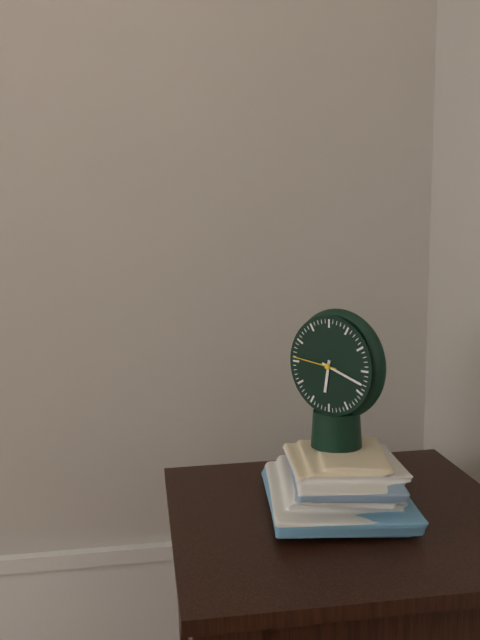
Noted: {"hour": 6, "minute": 18}
